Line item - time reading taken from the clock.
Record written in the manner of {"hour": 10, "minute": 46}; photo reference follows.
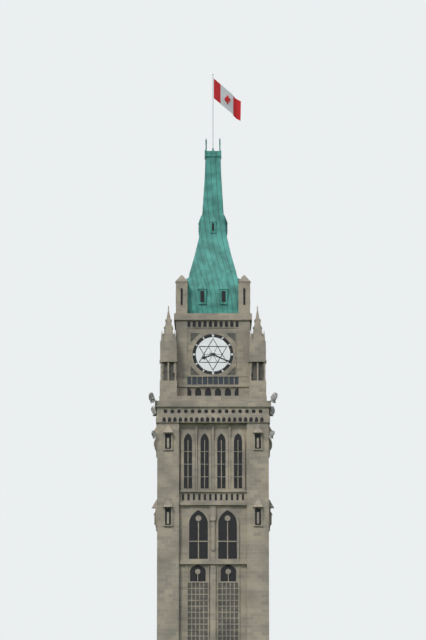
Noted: {"hour": 8, "minute": 19}
